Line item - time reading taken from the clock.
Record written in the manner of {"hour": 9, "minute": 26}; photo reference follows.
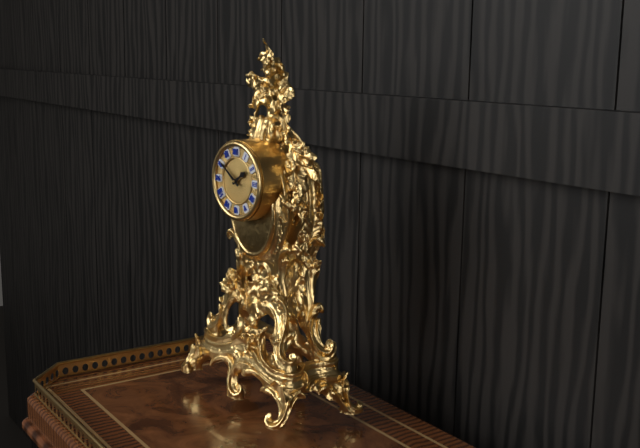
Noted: {"hour": 1, "minute": 51}
